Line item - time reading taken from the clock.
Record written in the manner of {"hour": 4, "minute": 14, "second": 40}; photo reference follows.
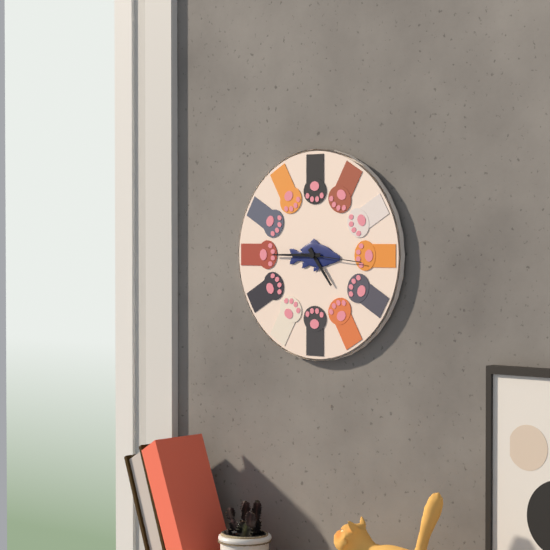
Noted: {"hour": 4, "minute": 45, "second": 16}
